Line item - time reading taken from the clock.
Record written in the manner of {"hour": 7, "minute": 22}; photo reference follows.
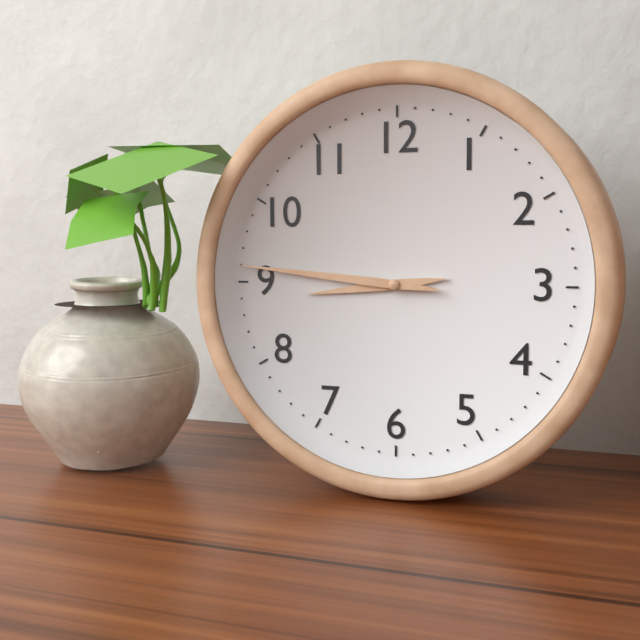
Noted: {"hour": 8, "minute": 46}
